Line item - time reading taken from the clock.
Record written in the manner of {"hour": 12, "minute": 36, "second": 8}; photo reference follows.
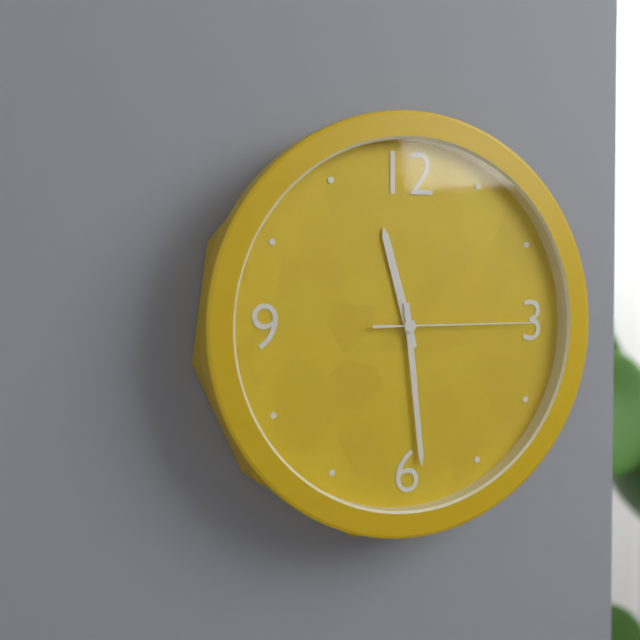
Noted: {"hour": 11, "minute": 29, "second": 15}
